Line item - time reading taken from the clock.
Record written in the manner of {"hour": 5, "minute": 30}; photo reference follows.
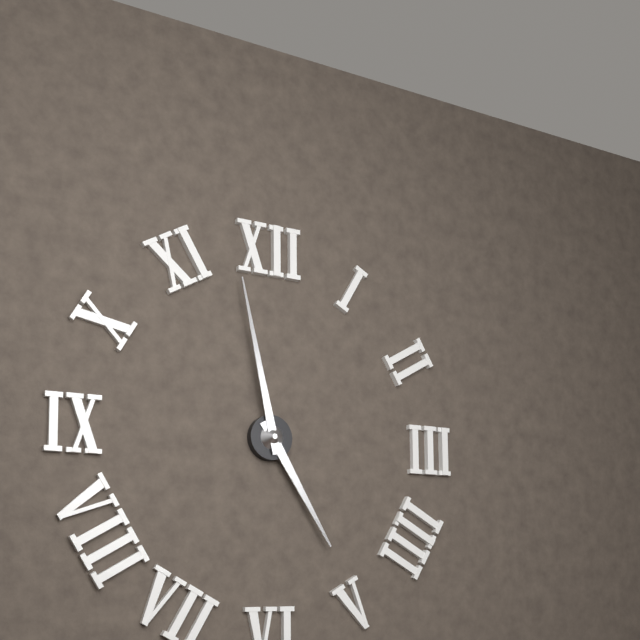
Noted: {"hour": 4, "minute": 58}
